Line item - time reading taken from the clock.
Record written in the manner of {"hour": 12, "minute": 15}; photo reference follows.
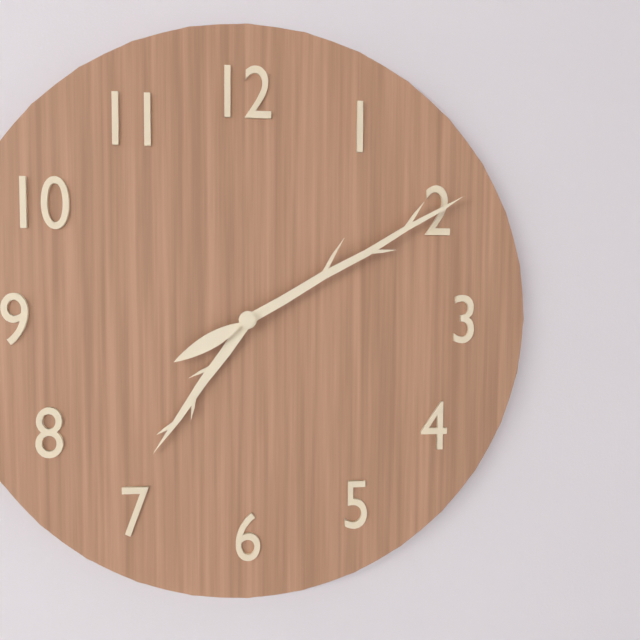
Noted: {"hour": 7, "minute": 10}
